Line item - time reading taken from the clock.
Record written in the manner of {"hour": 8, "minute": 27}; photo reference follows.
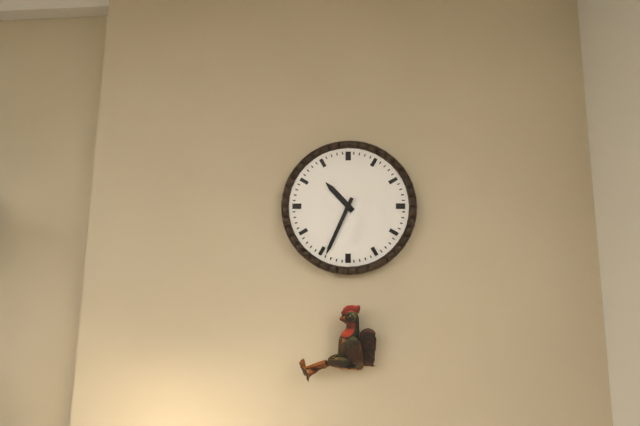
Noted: {"hour": 10, "minute": 34}
